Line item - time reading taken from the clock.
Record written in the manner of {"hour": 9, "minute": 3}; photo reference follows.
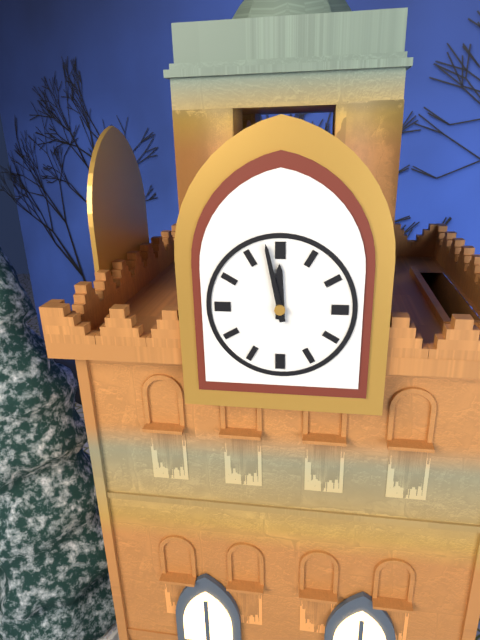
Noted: {"hour": 11, "minute": 58}
